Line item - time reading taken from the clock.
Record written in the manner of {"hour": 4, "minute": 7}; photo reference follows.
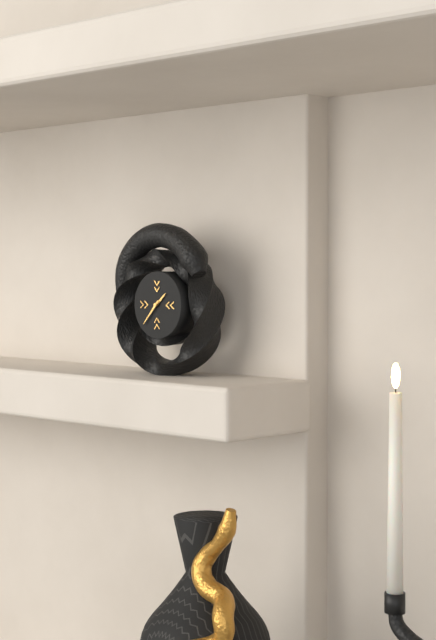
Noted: {"hour": 1, "minute": 37}
